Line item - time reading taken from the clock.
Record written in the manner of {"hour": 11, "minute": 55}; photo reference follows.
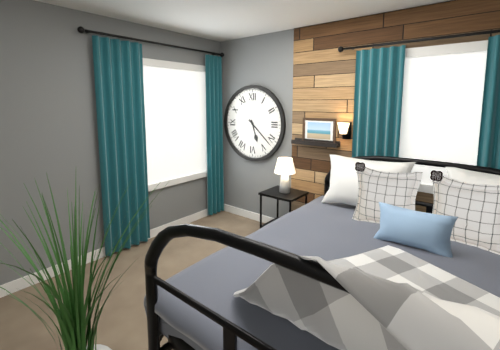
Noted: {"hour": 5, "minute": 22}
